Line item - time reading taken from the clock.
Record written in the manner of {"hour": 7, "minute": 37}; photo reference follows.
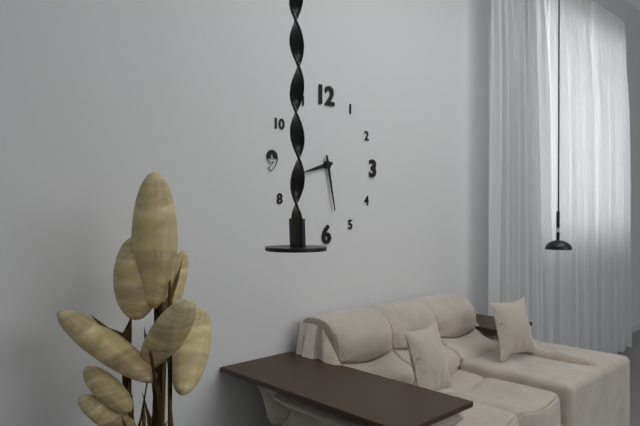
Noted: {"hour": 8, "minute": 28}
